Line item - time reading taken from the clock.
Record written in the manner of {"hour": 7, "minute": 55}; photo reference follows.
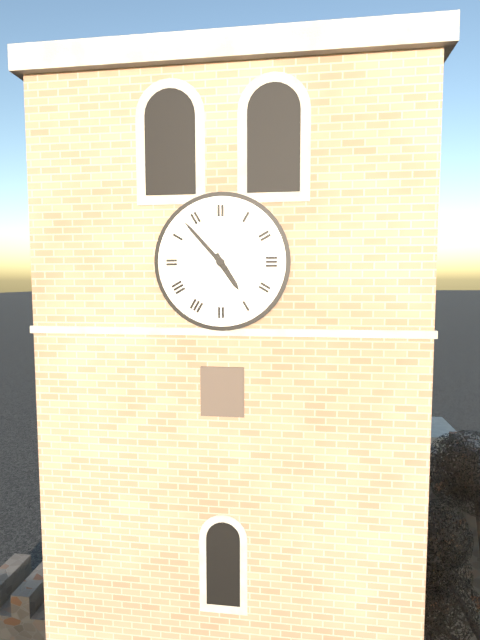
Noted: {"hour": 4, "minute": 53}
